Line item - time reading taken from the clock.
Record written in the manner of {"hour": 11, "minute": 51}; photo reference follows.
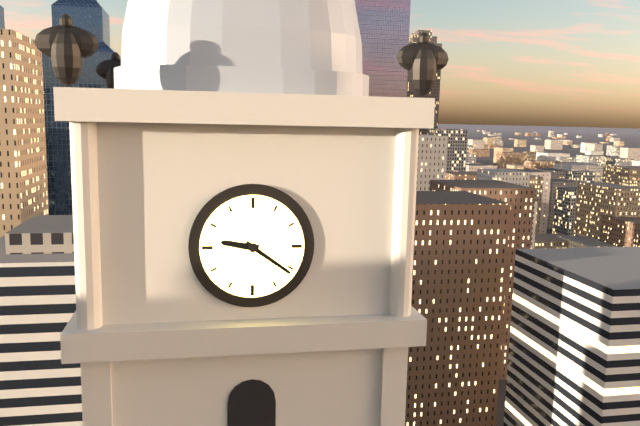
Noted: {"hour": 9, "minute": 21}
